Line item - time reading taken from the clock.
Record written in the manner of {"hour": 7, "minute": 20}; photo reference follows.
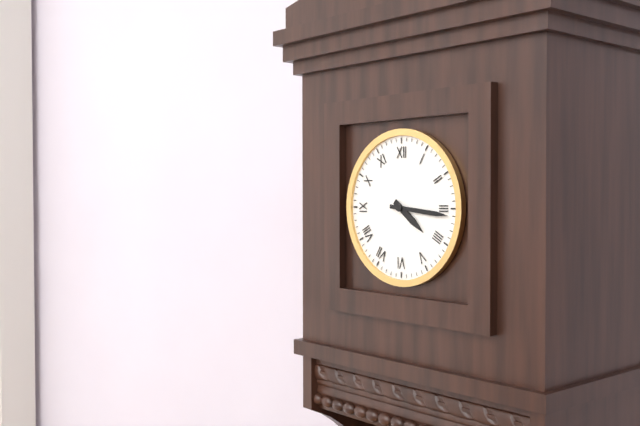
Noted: {"hour": 4, "minute": 16}
